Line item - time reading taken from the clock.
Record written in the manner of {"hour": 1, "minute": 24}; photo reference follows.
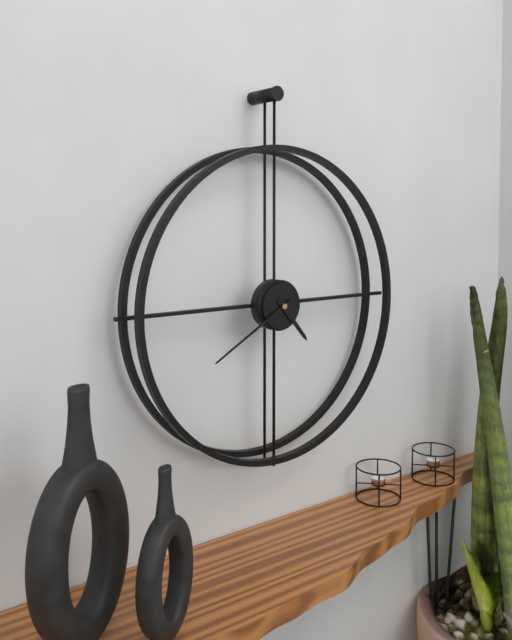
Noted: {"hour": 4, "minute": 40}
